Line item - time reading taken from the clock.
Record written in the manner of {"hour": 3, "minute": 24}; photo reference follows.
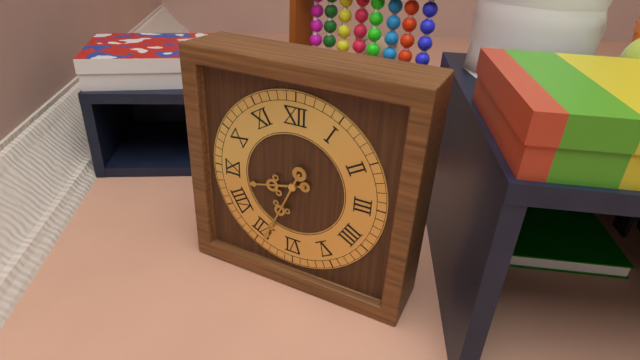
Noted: {"hour": 8, "minute": 34}
